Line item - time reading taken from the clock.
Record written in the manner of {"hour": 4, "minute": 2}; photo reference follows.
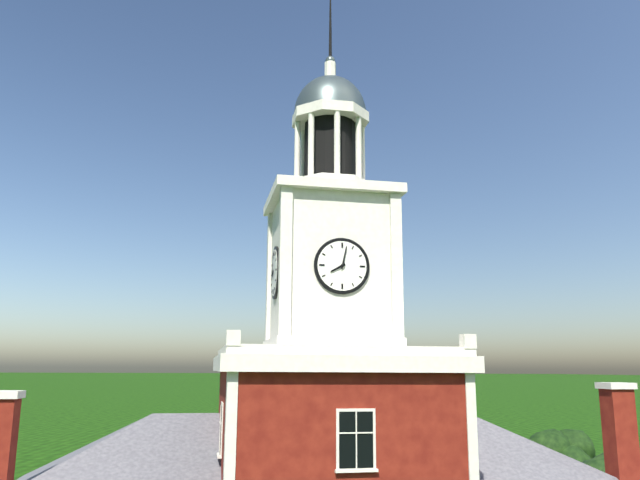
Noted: {"hour": 8, "minute": 2}
